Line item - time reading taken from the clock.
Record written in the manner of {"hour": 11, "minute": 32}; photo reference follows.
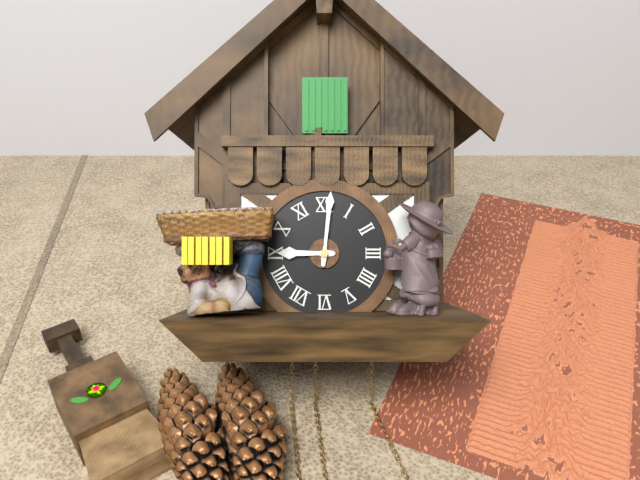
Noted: {"hour": 9, "minute": 1}
